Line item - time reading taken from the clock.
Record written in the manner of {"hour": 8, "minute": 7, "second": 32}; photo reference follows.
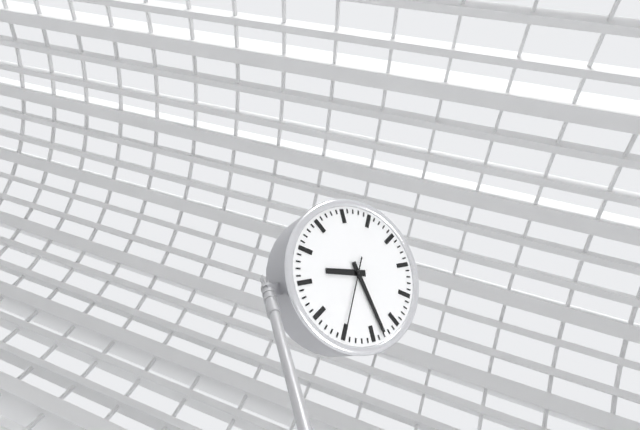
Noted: {"hour": 8, "minute": 23, "second": 30}
